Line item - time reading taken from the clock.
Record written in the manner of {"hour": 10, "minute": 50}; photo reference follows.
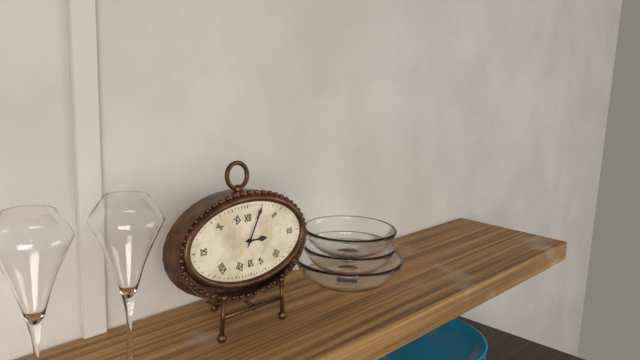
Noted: {"hour": 3, "minute": 5}
